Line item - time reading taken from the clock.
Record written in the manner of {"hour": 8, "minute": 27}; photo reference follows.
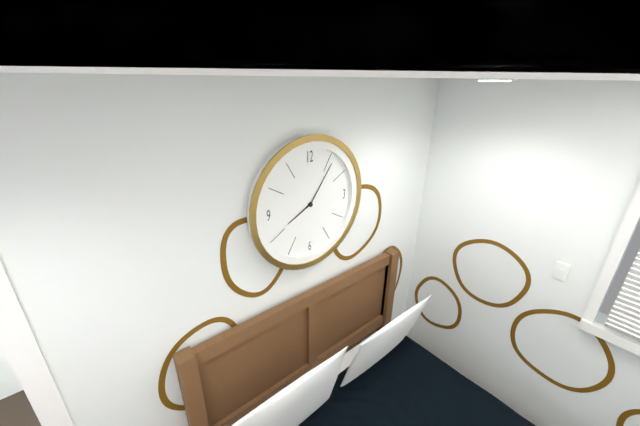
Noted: {"hour": 8, "minute": 6}
